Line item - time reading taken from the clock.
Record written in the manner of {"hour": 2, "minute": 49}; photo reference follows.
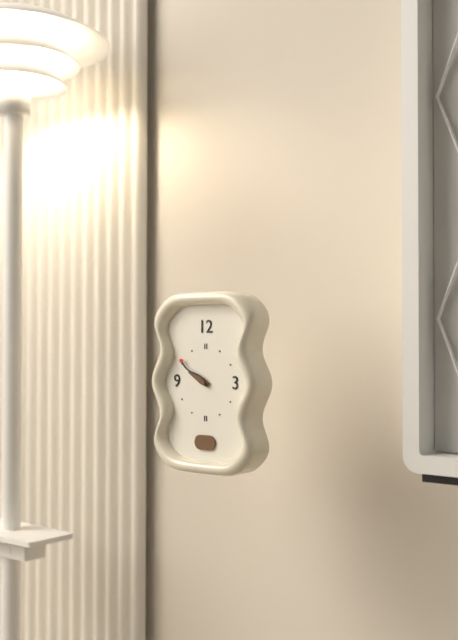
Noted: {"hour": 9, "minute": 51}
